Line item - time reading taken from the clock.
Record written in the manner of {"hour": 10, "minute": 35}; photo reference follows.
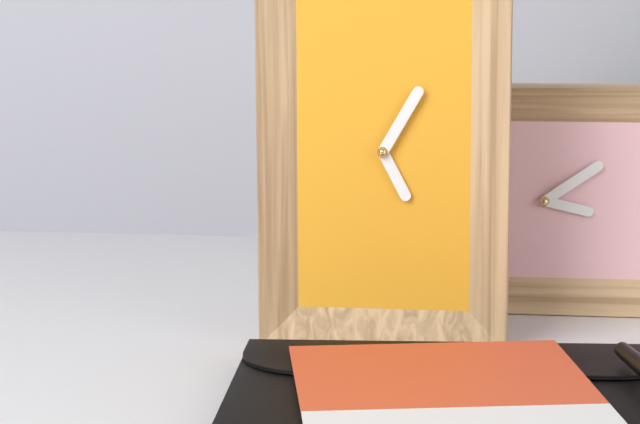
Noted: {"hour": 5, "minute": 5}
